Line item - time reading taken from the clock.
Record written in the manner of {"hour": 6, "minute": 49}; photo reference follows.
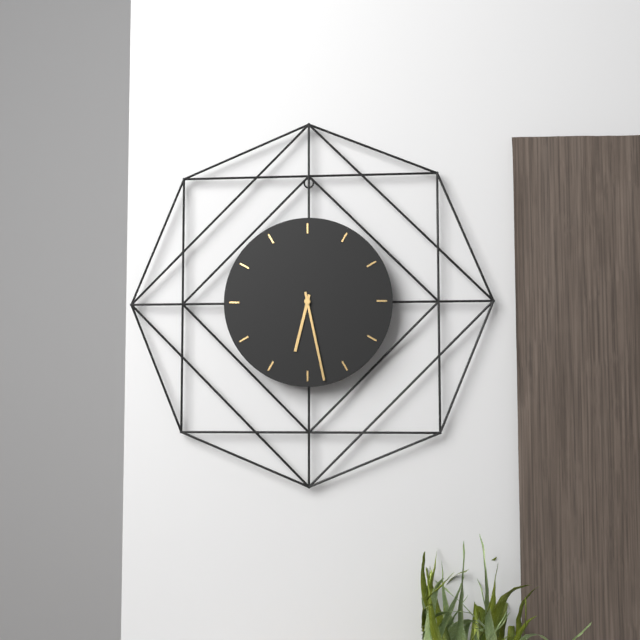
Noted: {"hour": 6, "minute": 28}
